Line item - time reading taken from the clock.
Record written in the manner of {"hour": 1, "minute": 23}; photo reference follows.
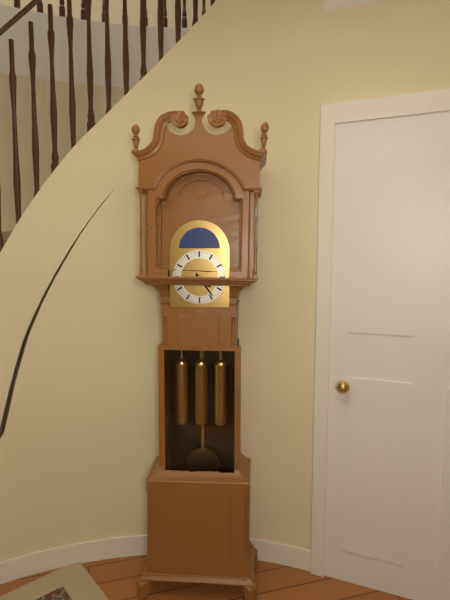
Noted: {"hour": 4, "minute": 24}
